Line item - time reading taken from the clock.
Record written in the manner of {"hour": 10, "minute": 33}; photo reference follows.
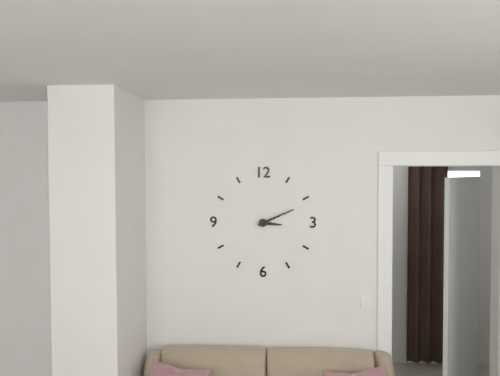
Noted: {"hour": 3, "minute": 11}
